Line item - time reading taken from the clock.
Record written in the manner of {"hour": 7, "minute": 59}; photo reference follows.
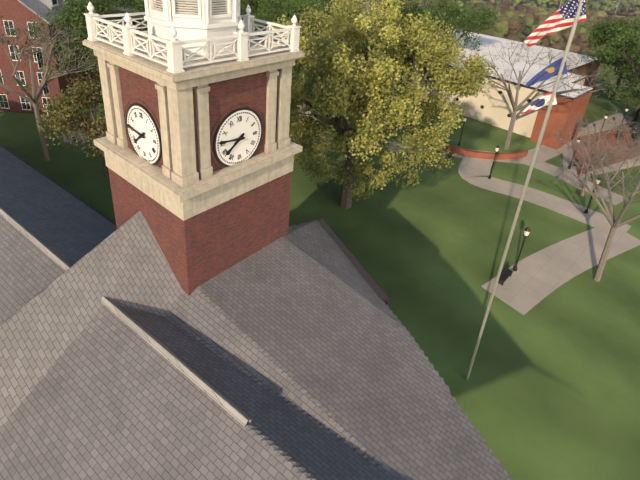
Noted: {"hour": 7, "minute": 46}
